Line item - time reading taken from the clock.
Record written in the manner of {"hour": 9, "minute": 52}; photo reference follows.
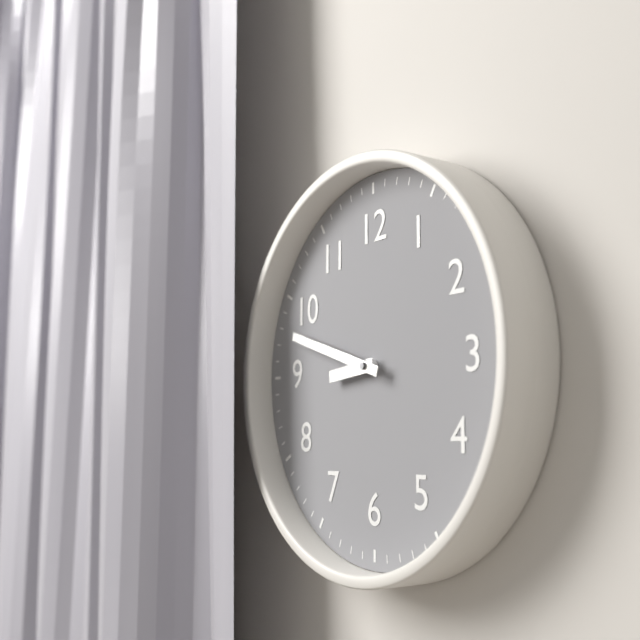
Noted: {"hour": 8, "minute": 48}
